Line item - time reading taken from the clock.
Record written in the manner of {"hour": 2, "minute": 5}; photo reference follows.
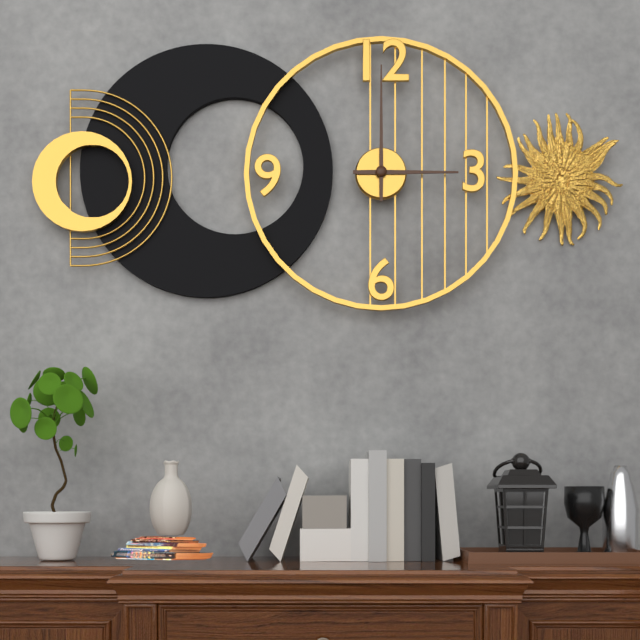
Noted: {"hour": 3, "minute": 0}
